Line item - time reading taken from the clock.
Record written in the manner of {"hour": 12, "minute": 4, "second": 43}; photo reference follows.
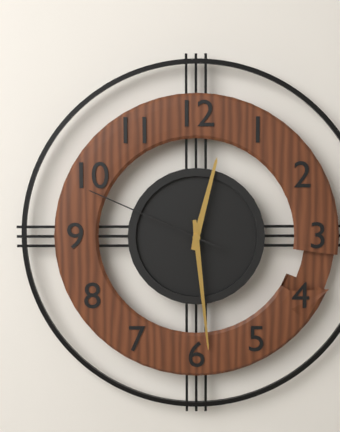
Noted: {"hour": 12, "minute": 29, "second": 49}
